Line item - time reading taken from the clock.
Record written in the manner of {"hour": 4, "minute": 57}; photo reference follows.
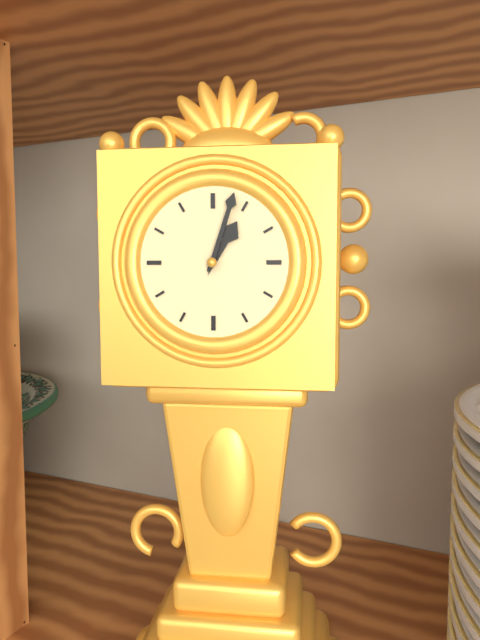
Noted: {"hour": 1, "minute": 3}
